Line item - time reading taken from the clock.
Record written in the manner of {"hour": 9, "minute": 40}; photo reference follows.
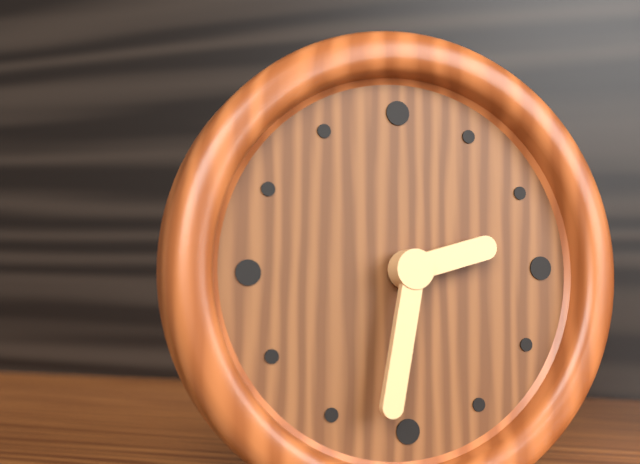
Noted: {"hour": 2, "minute": 32}
